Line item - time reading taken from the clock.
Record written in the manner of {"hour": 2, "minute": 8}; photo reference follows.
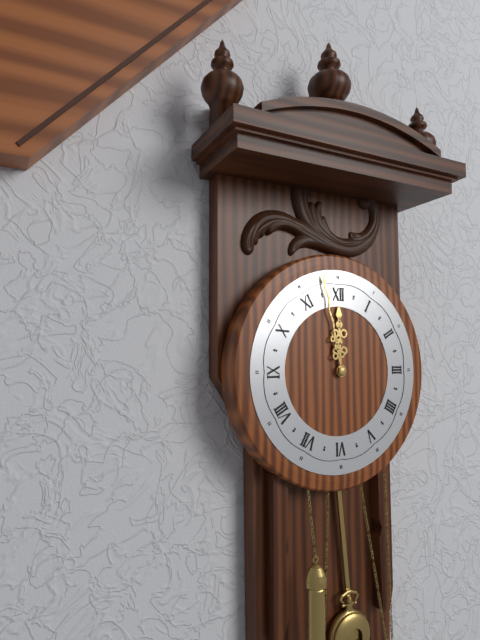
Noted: {"hour": 11, "minute": 58}
